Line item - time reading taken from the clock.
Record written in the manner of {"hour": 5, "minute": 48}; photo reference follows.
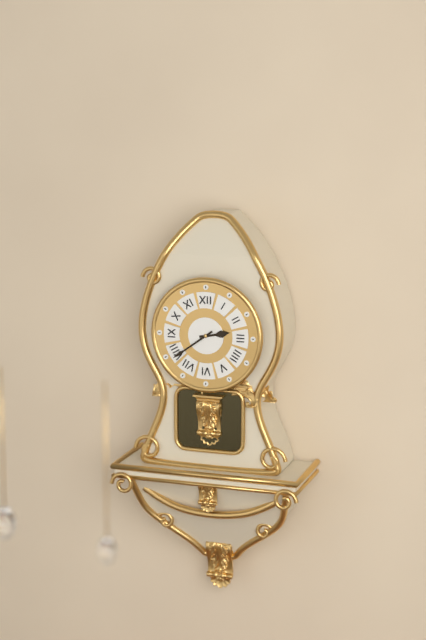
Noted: {"hour": 2, "minute": 39}
